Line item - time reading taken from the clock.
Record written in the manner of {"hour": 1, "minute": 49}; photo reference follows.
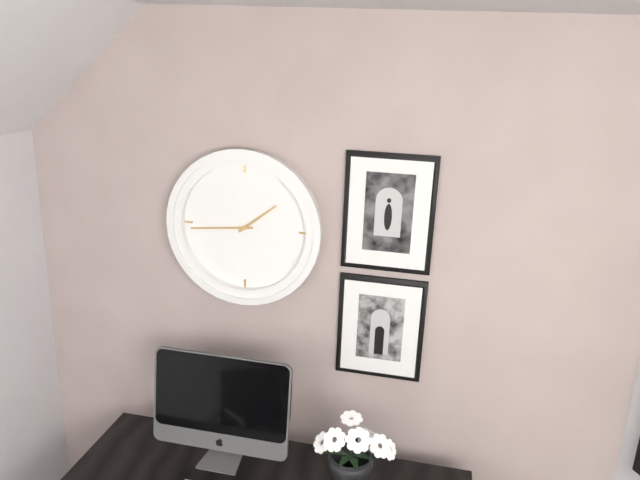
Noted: {"hour": 1, "minute": 44}
